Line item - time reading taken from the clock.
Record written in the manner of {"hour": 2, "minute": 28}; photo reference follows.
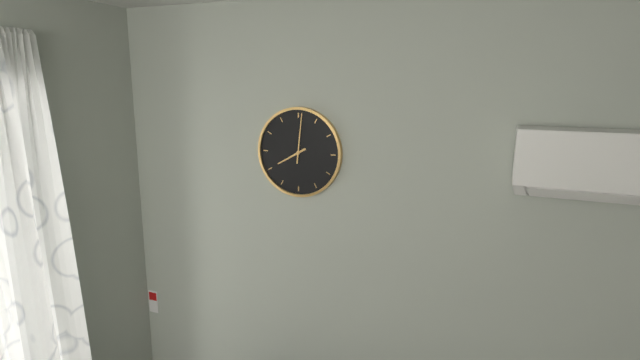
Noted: {"hour": 8, "minute": 1}
